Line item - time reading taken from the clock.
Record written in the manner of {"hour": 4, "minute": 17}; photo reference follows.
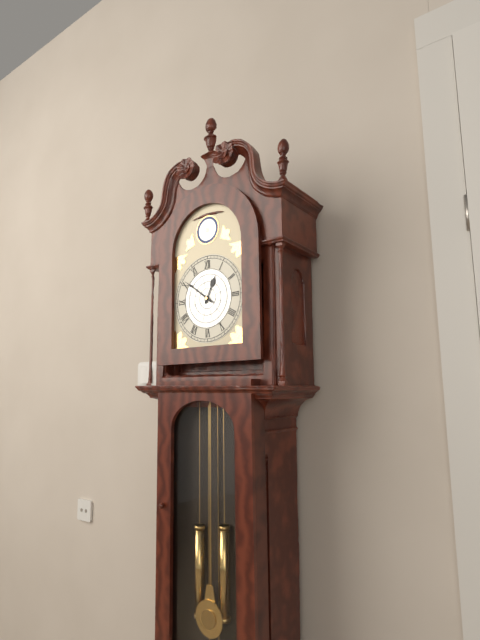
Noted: {"hour": 12, "minute": 51}
